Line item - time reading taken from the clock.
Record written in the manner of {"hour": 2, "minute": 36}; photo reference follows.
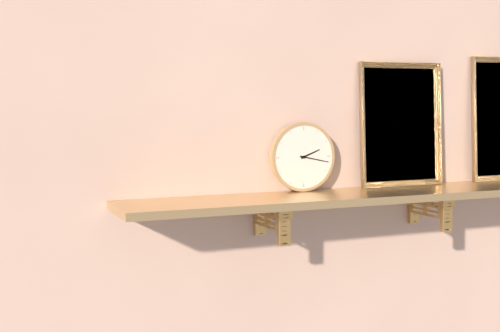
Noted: {"hour": 2, "minute": 17}
